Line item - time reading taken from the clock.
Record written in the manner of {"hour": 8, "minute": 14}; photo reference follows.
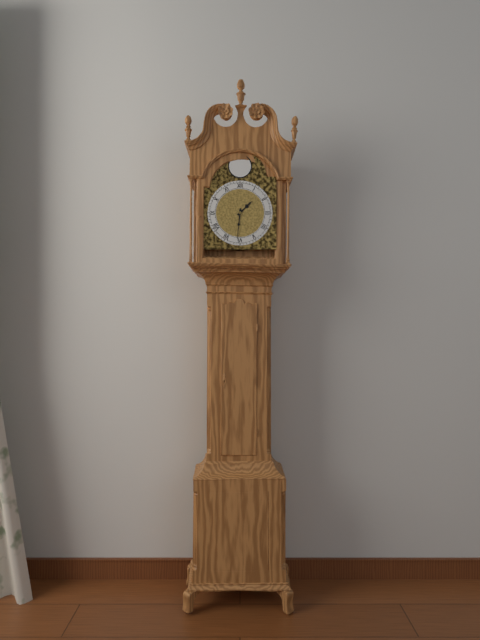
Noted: {"hour": 1, "minute": 31}
